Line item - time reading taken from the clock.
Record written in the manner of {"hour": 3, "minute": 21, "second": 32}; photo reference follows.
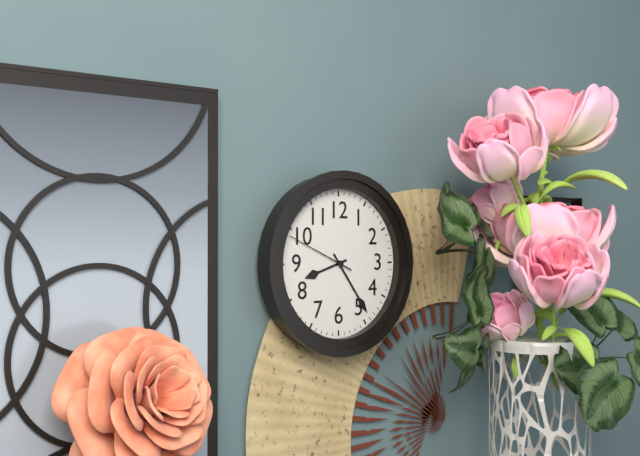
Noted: {"hour": 8, "minute": 24, "second": 49}
